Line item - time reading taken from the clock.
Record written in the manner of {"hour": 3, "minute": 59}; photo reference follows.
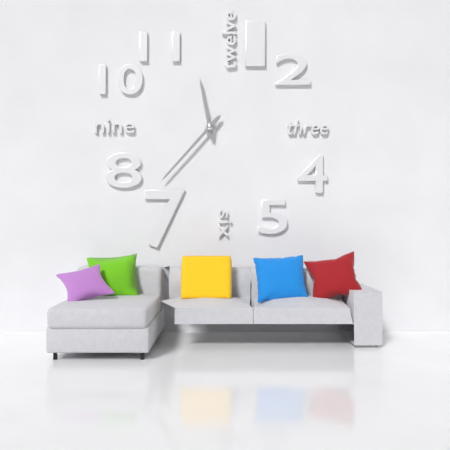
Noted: {"hour": 11, "minute": 37}
